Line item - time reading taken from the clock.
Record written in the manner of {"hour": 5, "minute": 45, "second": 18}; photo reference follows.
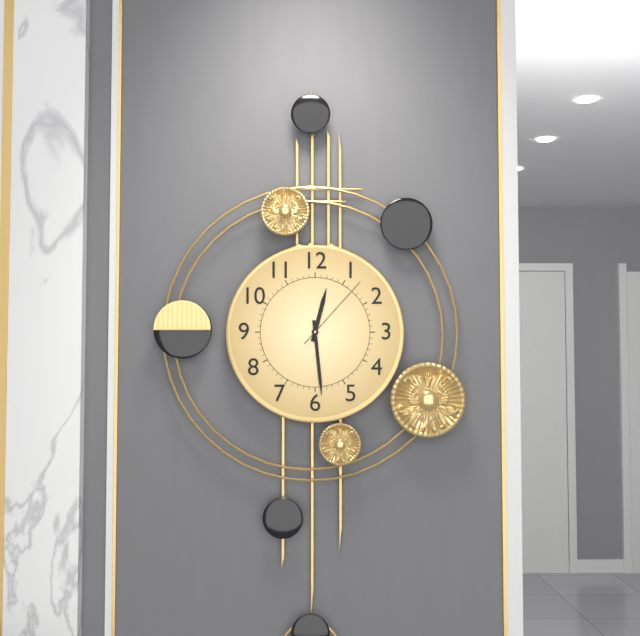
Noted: {"hour": 12, "minute": 29, "second": 7}
